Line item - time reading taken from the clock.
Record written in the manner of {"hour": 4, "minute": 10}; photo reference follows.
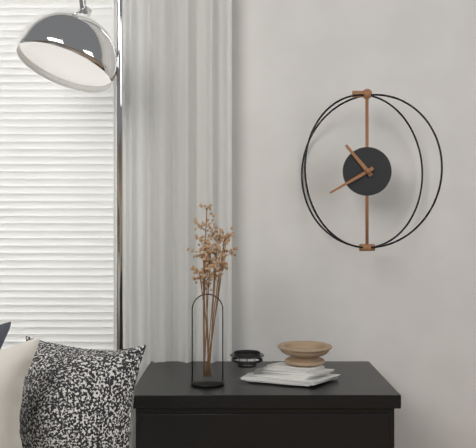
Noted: {"hour": 10, "minute": 40}
